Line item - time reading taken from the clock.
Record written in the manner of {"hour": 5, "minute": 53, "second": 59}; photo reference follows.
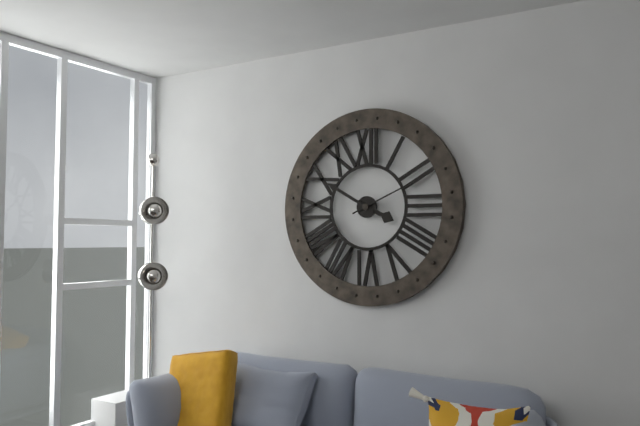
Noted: {"hour": 3, "minute": 50, "second": 11}
